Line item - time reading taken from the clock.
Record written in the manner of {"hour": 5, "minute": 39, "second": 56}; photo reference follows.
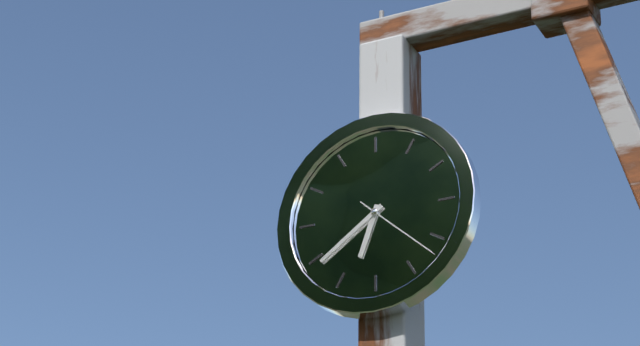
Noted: {"hour": 6, "minute": 39, "second": 22}
